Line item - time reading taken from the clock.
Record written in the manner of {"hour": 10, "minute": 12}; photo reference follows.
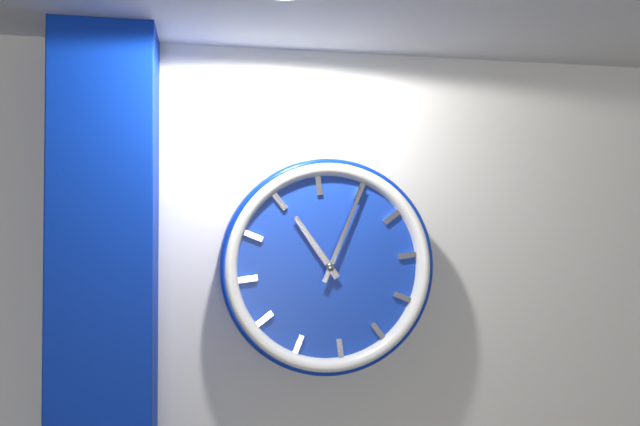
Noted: {"hour": 11, "minute": 5}
